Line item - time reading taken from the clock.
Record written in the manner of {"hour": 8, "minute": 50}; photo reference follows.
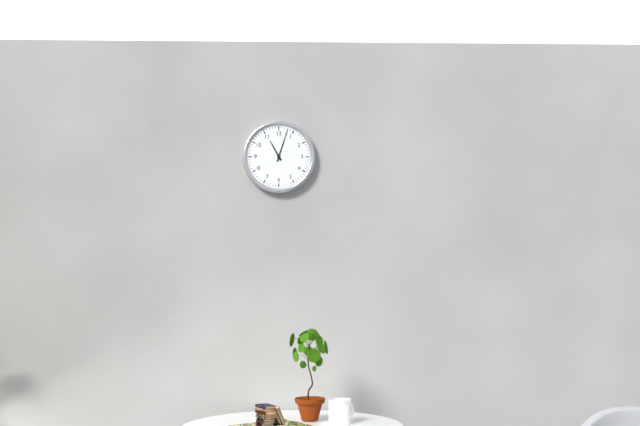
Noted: {"hour": 11, "minute": 3}
